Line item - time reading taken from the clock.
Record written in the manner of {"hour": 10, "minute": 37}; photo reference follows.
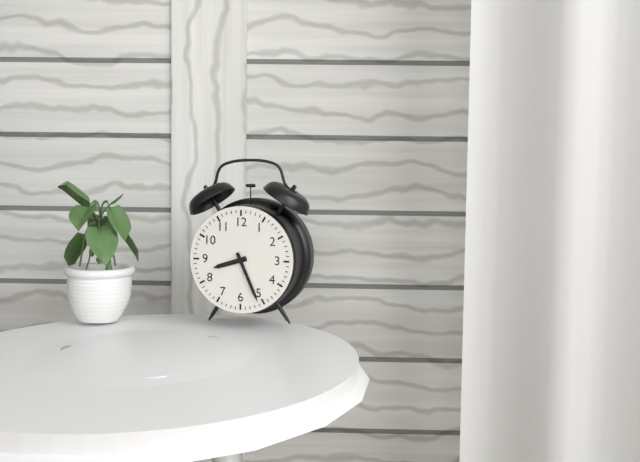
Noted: {"hour": 8, "minute": 26}
